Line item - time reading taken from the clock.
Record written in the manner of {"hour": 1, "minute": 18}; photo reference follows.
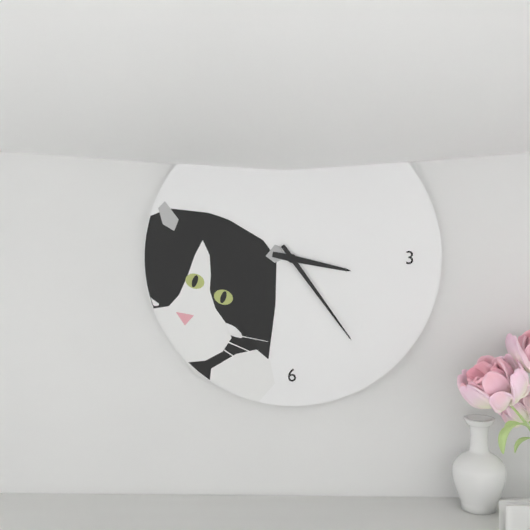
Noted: {"hour": 3, "minute": 24}
